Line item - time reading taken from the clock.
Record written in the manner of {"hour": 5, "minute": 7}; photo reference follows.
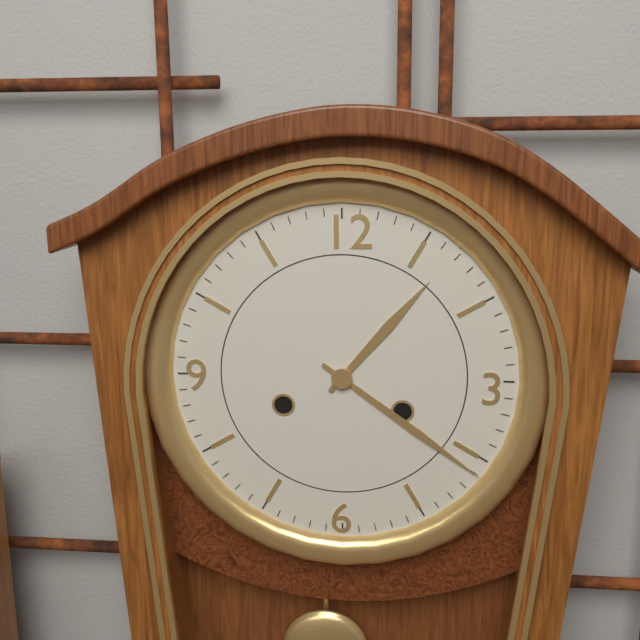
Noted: {"hour": 1, "minute": 21}
